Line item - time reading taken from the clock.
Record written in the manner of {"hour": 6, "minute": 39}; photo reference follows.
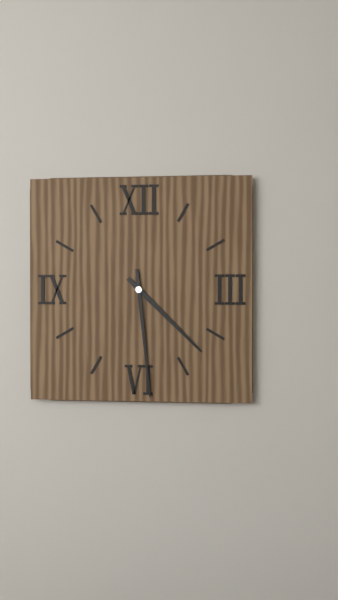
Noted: {"hour": 4, "minute": 29}
